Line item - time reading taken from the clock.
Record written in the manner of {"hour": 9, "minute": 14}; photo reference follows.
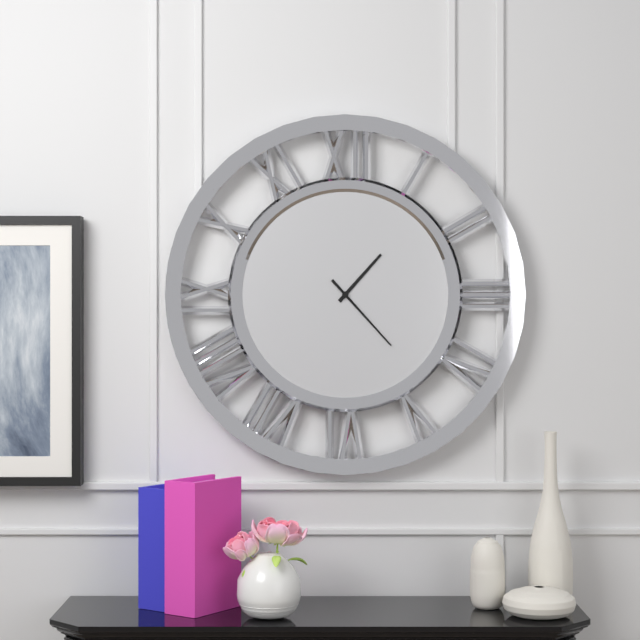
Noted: {"hour": 1, "minute": 23}
